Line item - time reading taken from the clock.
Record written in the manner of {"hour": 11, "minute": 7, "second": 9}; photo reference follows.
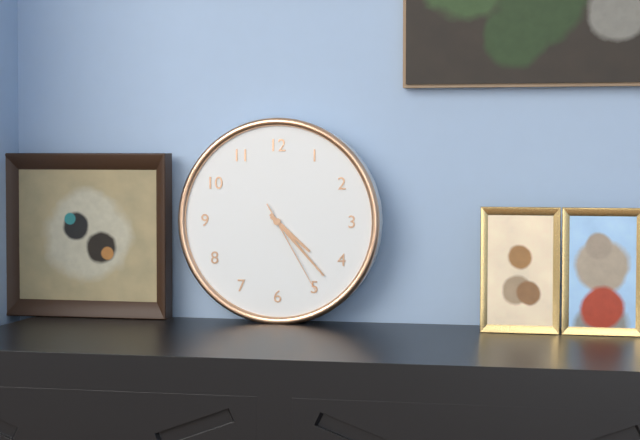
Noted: {"hour": 4, "minute": 23, "second": 25}
